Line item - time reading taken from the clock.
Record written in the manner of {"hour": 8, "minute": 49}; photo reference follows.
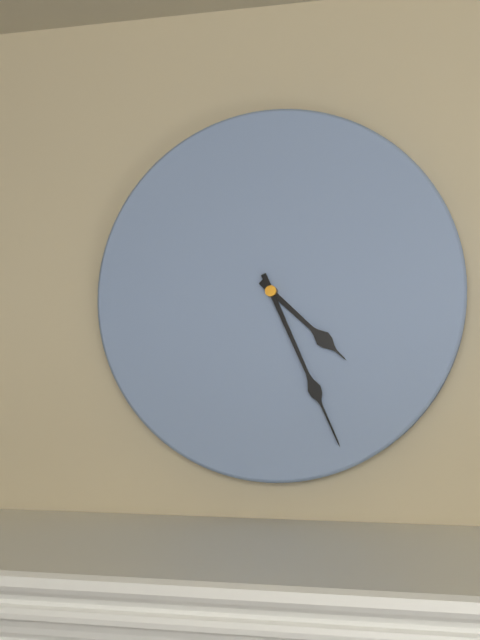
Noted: {"hour": 4, "minute": 26}
